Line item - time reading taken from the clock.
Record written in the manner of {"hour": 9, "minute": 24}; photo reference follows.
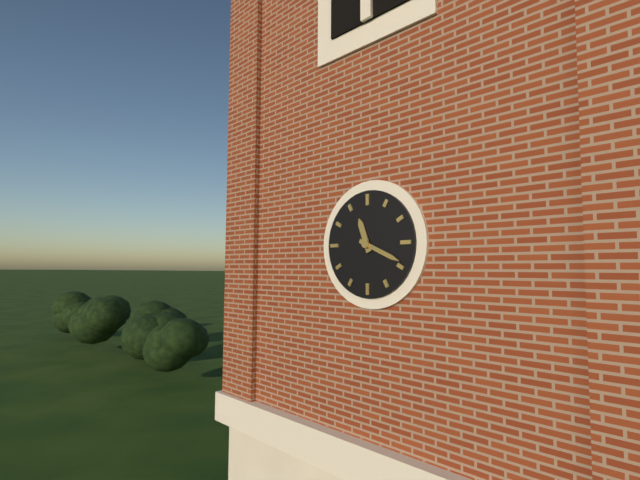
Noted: {"hour": 11, "minute": 19}
